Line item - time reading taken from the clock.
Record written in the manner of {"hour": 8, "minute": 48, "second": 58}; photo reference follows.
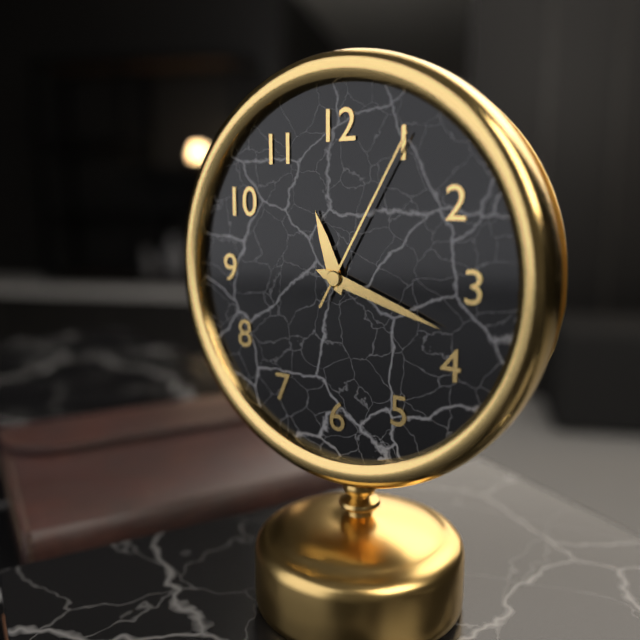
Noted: {"hour": 11, "minute": 18, "second": 5}
